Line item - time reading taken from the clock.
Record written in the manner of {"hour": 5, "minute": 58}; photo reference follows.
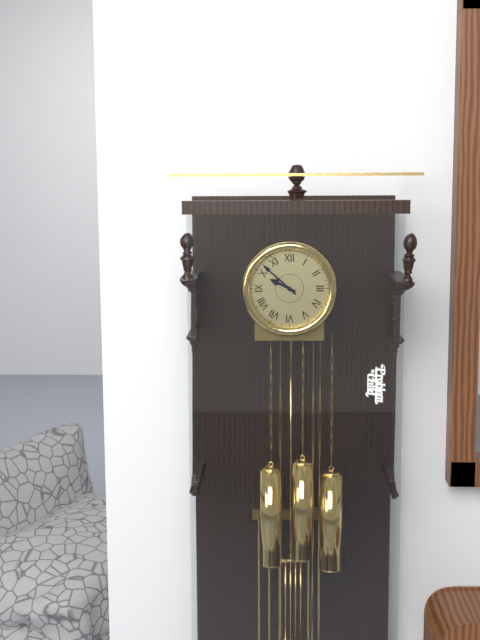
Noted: {"hour": 9, "minute": 52}
